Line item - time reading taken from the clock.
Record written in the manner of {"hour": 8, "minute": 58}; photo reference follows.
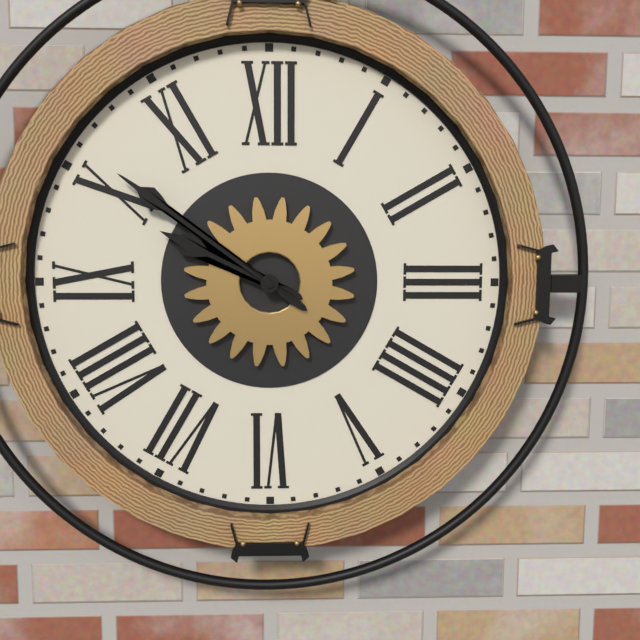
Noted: {"hour": 9, "minute": 51}
